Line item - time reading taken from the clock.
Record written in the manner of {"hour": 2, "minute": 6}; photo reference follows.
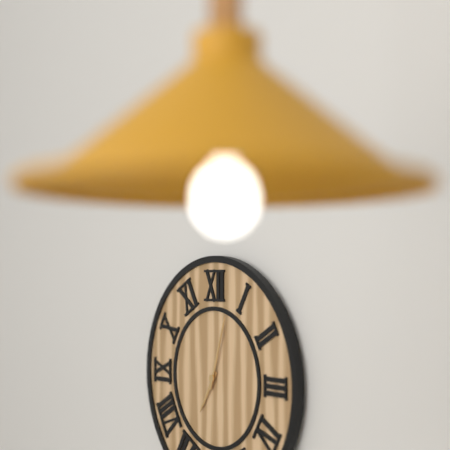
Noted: {"hour": 7, "minute": 3}
